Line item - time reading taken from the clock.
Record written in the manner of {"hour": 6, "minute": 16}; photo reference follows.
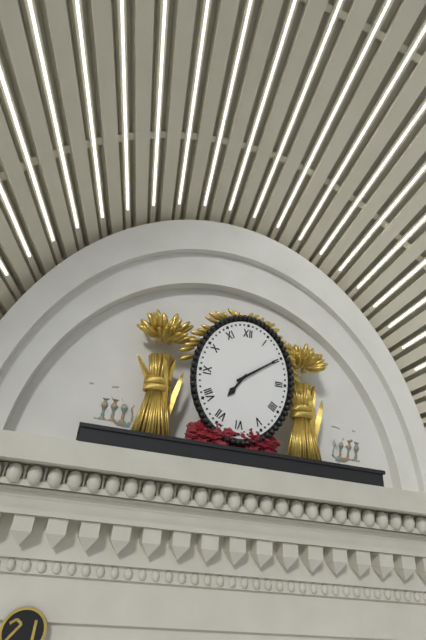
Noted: {"hour": 7, "minute": 9}
